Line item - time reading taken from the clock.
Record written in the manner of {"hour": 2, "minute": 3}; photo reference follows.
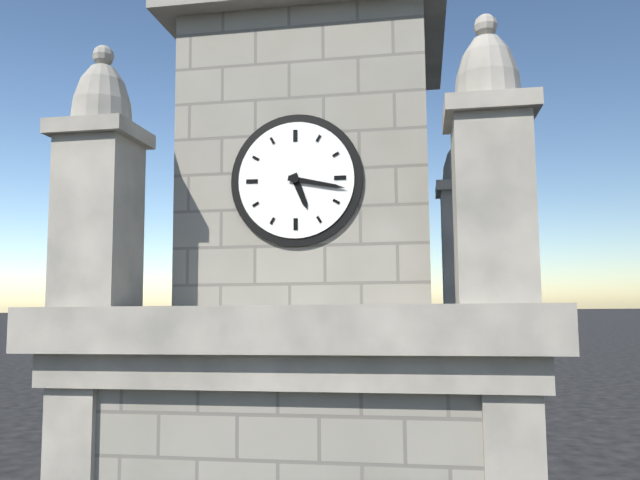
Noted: {"hour": 5, "minute": 17}
